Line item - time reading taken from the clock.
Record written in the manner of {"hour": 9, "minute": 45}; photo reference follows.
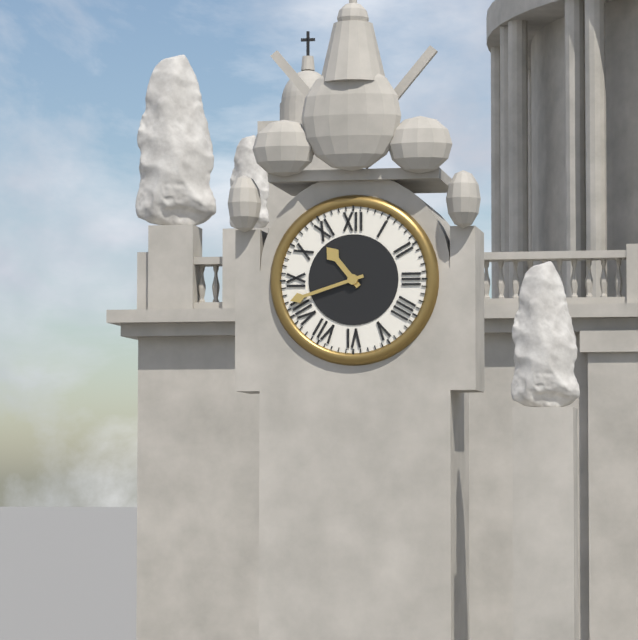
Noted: {"hour": 10, "minute": 42}
